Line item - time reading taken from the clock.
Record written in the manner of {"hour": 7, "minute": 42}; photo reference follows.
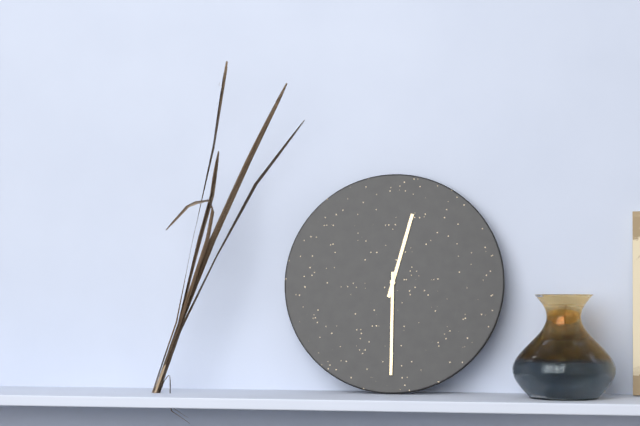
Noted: {"hour": 12, "minute": 30}
